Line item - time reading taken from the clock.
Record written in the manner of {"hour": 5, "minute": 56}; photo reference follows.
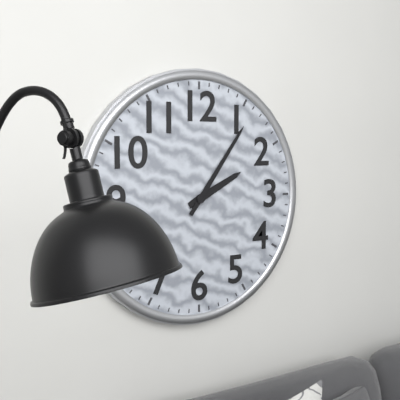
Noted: {"hour": 2, "minute": 6}
